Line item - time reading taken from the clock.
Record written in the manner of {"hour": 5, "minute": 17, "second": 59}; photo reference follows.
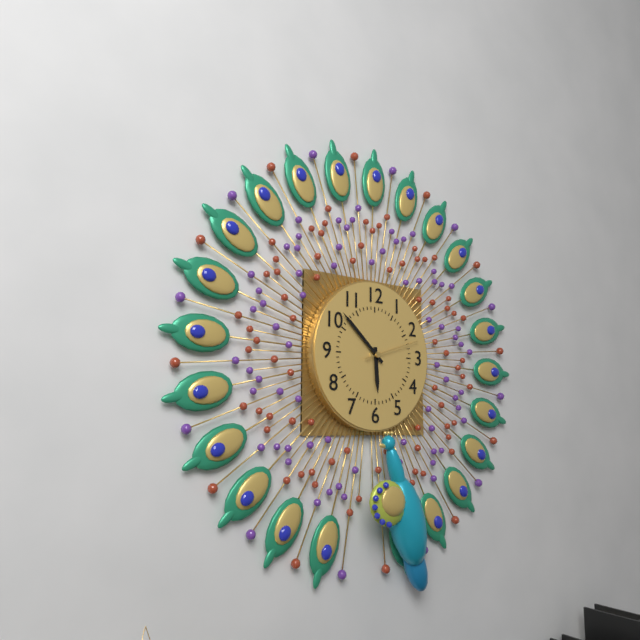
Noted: {"hour": 5, "minute": 52, "second": 12}
